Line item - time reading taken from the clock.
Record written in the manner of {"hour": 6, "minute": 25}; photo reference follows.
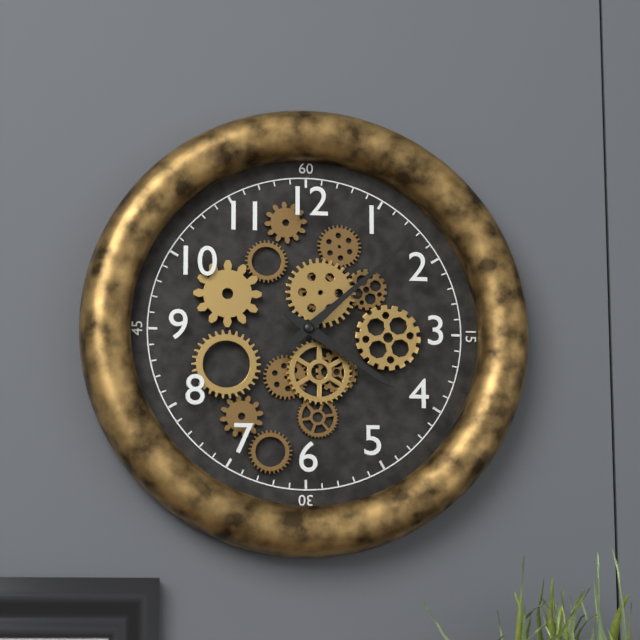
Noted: {"hour": 4, "minute": 8}
